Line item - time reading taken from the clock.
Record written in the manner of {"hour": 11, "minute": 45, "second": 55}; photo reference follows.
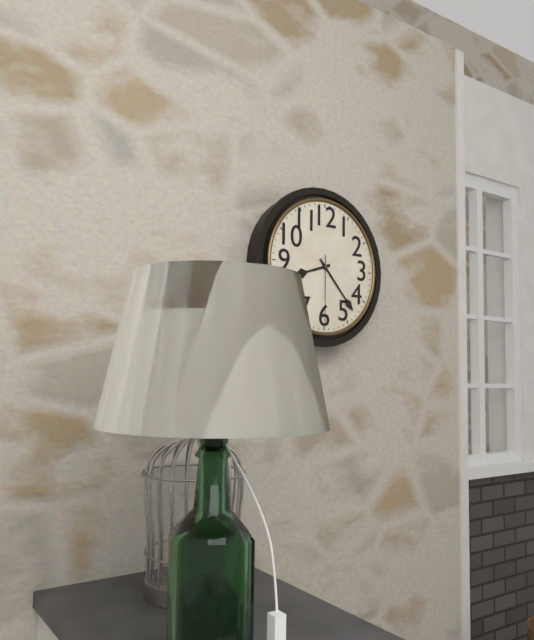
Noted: {"hour": 8, "minute": 23, "second": 30}
